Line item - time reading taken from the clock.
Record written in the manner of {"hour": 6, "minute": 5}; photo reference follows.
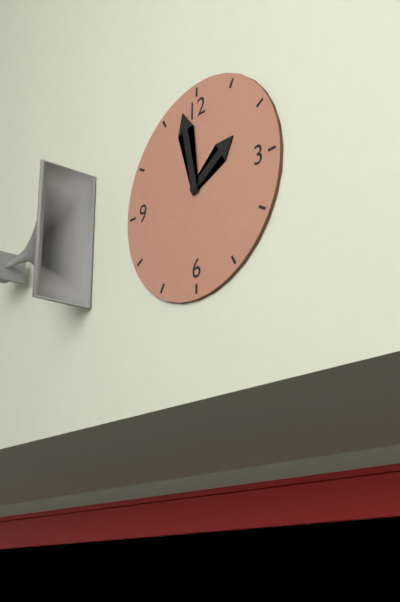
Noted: {"hour": 1, "minute": 58}
